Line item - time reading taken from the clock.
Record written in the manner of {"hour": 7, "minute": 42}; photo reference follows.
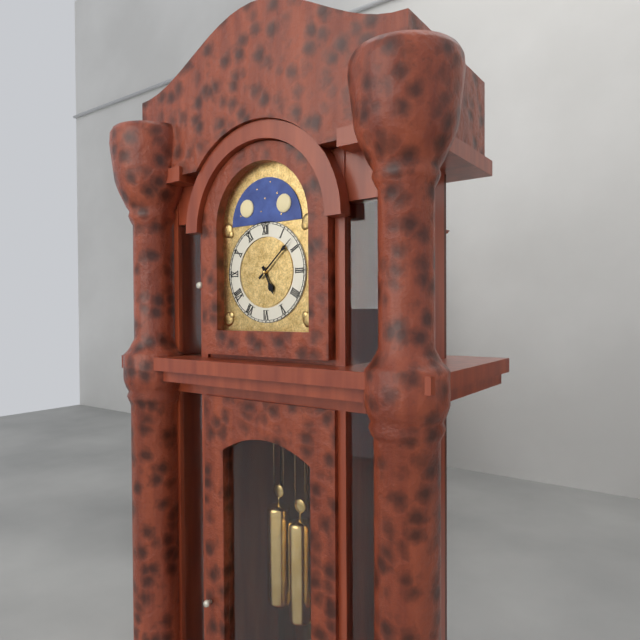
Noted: {"hour": 5, "minute": 8}
